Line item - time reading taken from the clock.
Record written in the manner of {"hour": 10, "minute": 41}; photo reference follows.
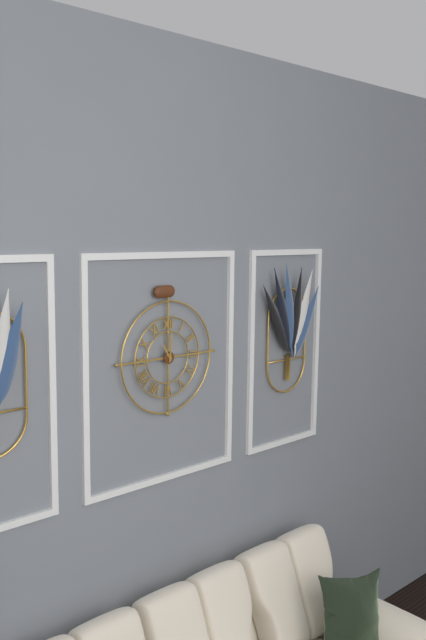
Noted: {"hour": 11, "minute": 1}
